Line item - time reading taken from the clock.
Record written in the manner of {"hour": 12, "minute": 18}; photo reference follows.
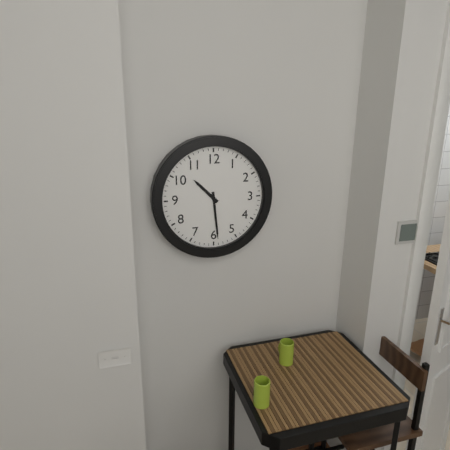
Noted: {"hour": 10, "minute": 29}
